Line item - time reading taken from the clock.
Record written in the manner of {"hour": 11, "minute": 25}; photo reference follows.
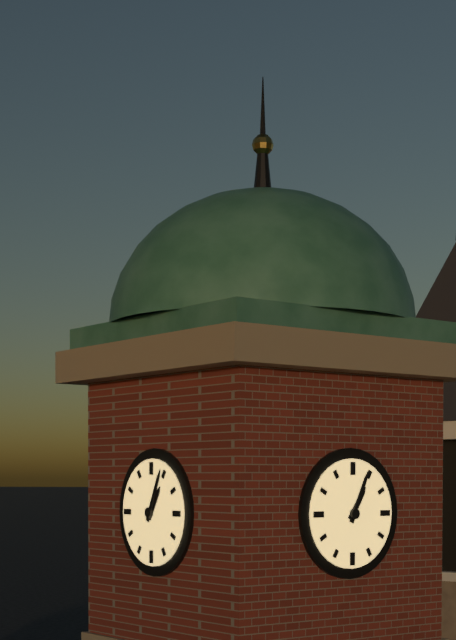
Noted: {"hour": 1, "minute": 4}
